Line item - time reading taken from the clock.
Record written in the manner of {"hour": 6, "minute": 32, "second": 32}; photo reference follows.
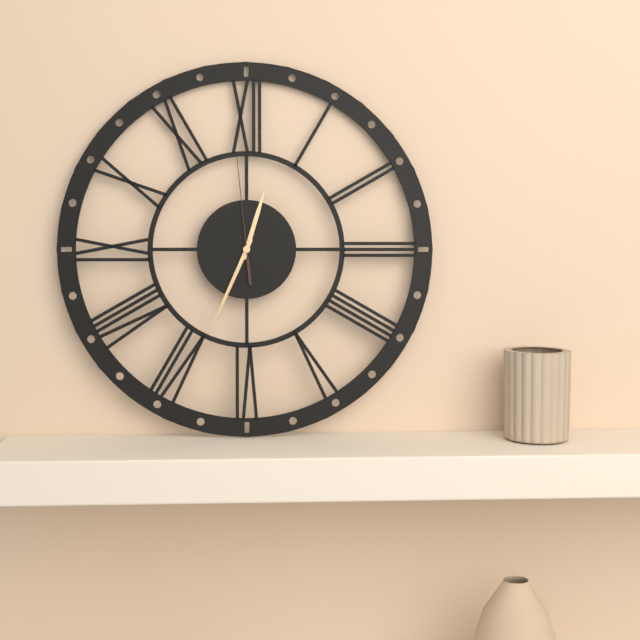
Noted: {"hour": 12, "minute": 34, "second": 59}
